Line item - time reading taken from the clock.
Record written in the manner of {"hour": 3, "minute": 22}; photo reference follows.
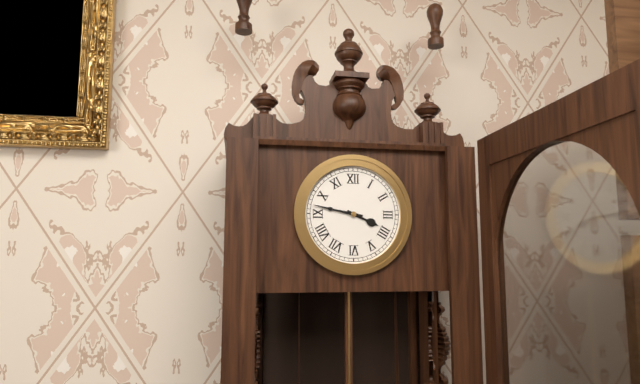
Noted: {"hour": 3, "minute": 47}
